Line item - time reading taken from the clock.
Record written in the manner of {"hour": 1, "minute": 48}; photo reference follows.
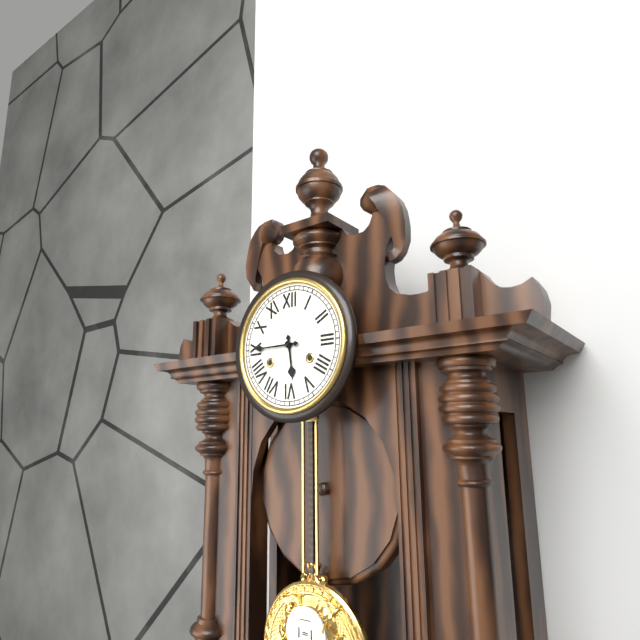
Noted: {"hour": 5, "minute": 45}
